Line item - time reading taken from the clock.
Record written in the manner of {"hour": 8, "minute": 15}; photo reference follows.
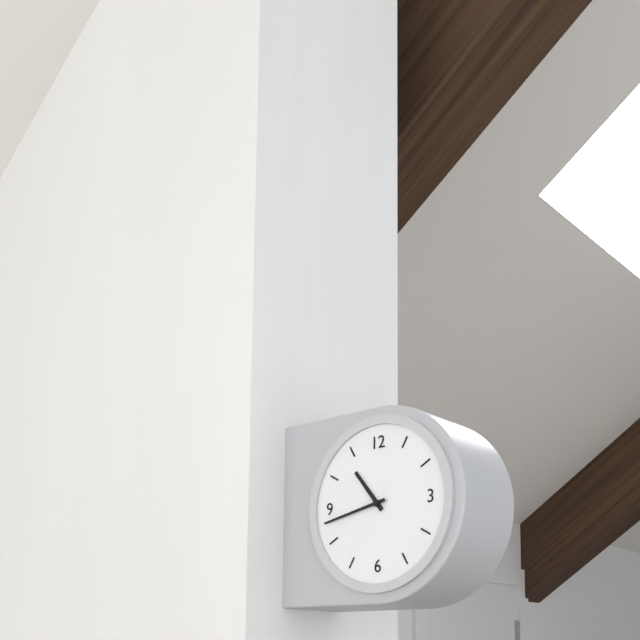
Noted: {"hour": 10, "minute": 43}
